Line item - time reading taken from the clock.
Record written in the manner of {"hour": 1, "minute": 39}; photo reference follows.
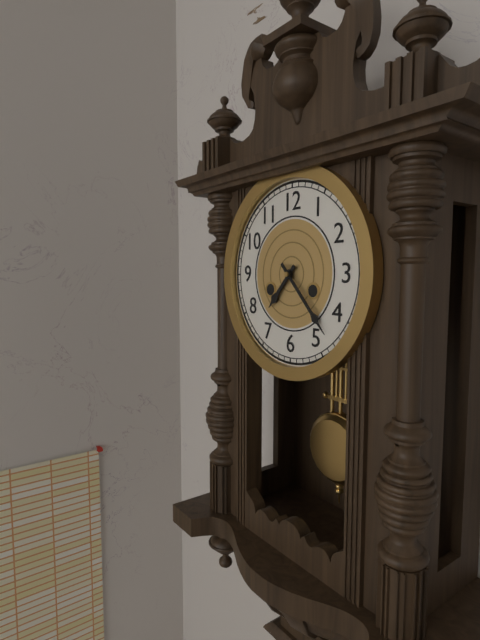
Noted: {"hour": 7, "minute": 23}
